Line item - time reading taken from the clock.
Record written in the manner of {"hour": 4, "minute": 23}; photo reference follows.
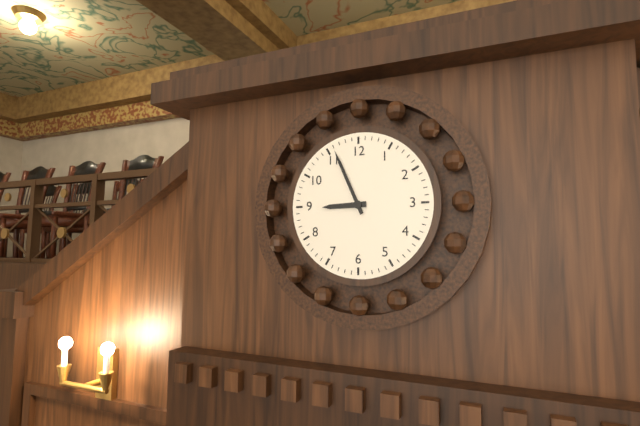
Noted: {"hour": 8, "minute": 56}
